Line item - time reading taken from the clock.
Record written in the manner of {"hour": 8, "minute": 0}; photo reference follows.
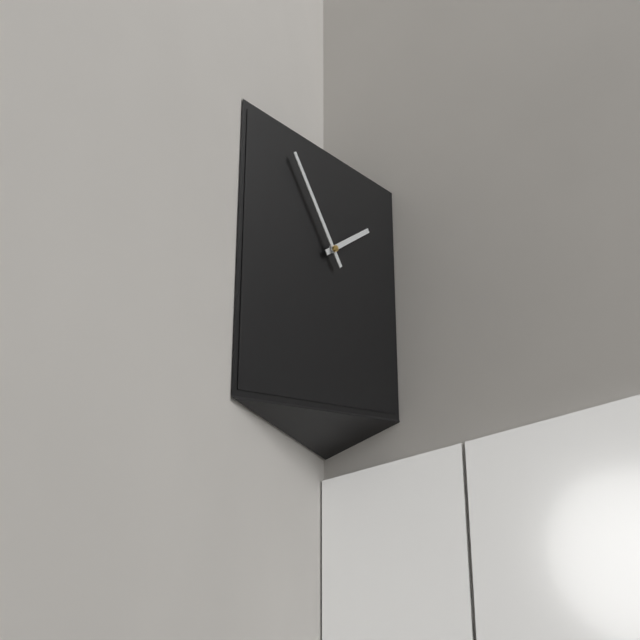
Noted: {"hour": 1, "minute": 54}
